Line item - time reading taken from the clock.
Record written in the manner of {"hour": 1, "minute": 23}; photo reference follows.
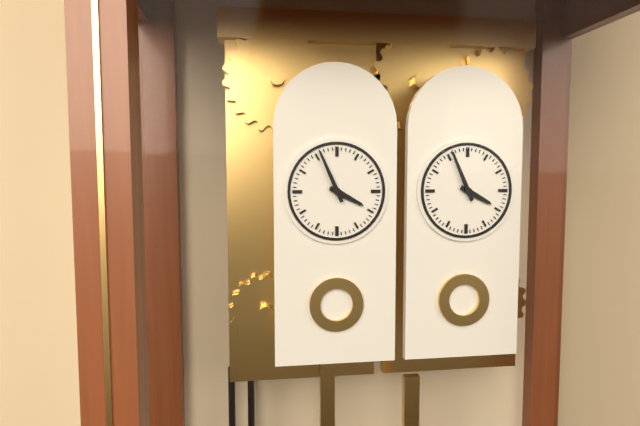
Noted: {"hour": 3, "minute": 56}
